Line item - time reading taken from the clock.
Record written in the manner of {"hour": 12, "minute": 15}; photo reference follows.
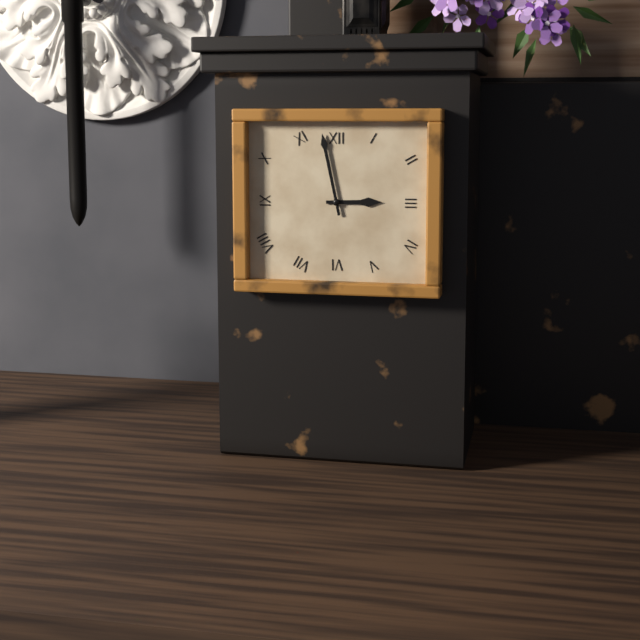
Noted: {"hour": 2, "minute": 58}
